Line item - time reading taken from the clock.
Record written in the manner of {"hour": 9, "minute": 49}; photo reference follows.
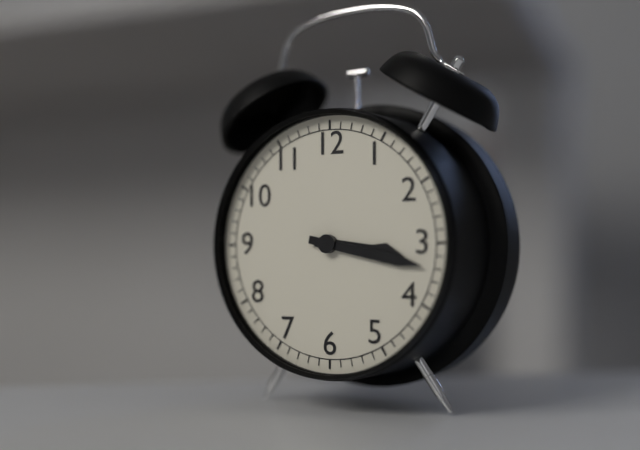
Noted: {"hour": 3, "minute": 17}
